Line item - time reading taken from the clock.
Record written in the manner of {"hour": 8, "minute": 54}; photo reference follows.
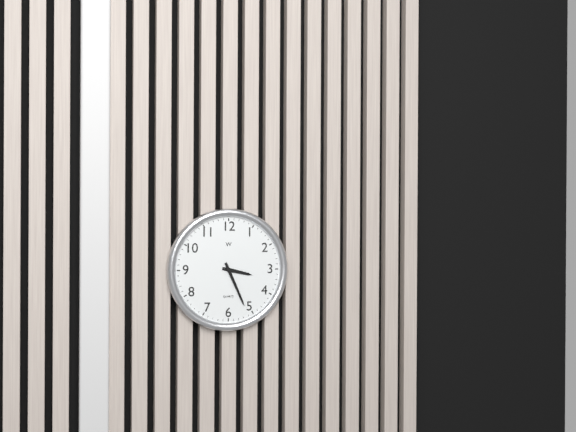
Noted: {"hour": 3, "minute": 26}
